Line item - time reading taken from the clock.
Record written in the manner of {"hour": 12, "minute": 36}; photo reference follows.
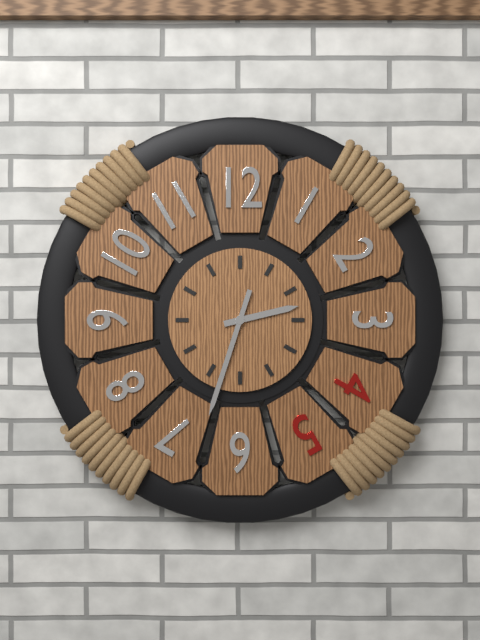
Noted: {"hour": 2, "minute": 33}
